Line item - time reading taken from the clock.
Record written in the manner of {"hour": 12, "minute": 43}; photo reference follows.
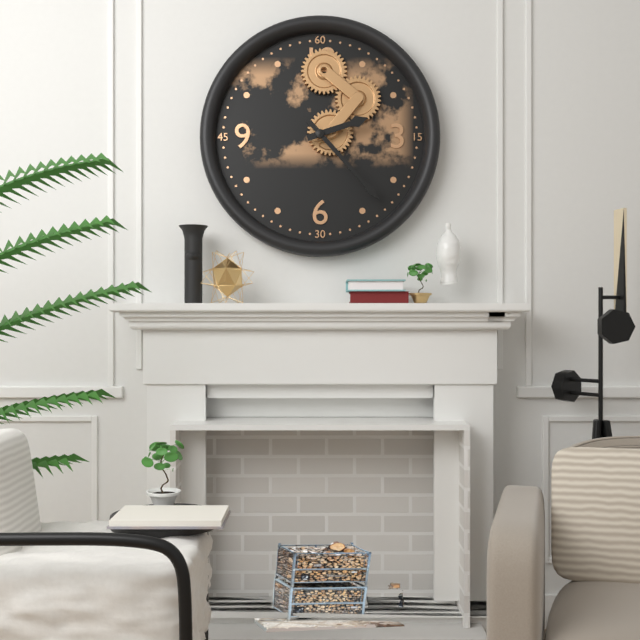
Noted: {"hour": 2, "minute": 23}
